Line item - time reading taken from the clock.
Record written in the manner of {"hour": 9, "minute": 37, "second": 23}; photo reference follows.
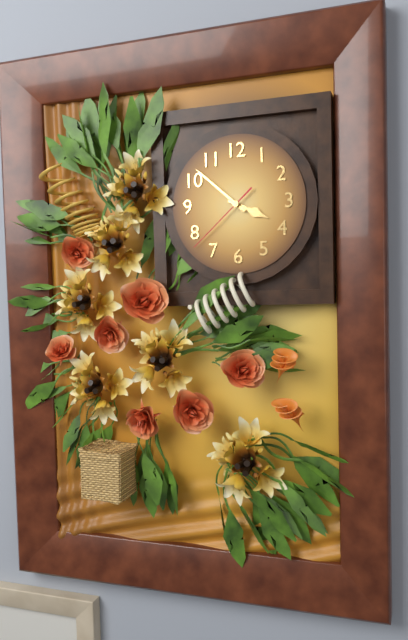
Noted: {"hour": 3, "minute": 52, "second": 38}
